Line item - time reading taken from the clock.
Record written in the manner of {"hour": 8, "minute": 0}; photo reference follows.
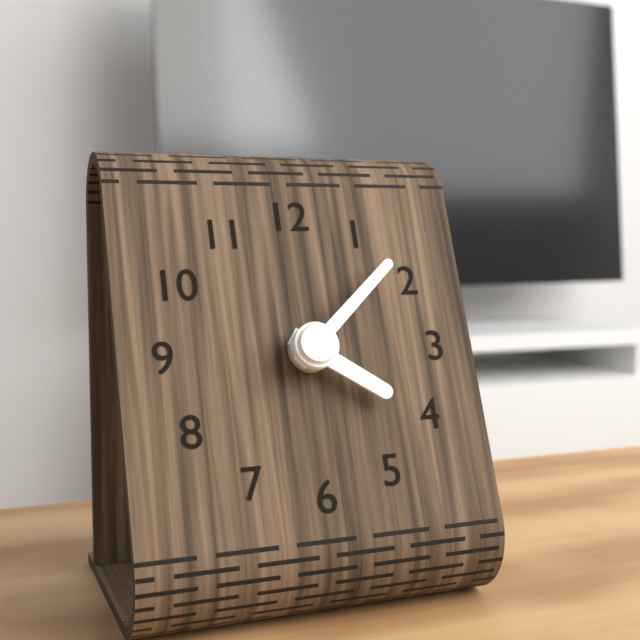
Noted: {"hour": 4, "minute": 8}
